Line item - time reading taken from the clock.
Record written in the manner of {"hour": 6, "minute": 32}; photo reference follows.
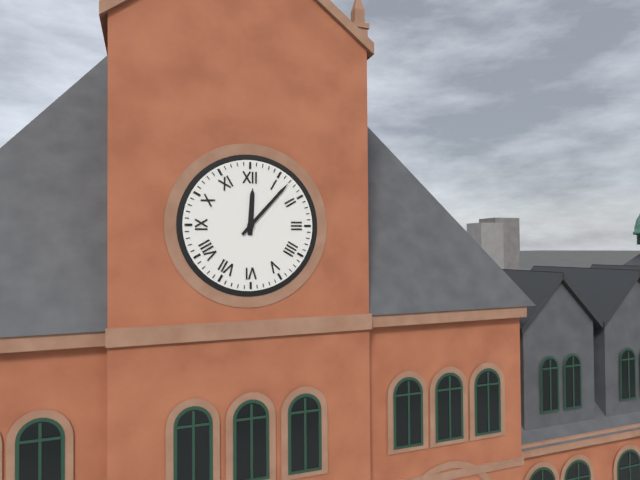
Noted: {"hour": 12, "minute": 7}
